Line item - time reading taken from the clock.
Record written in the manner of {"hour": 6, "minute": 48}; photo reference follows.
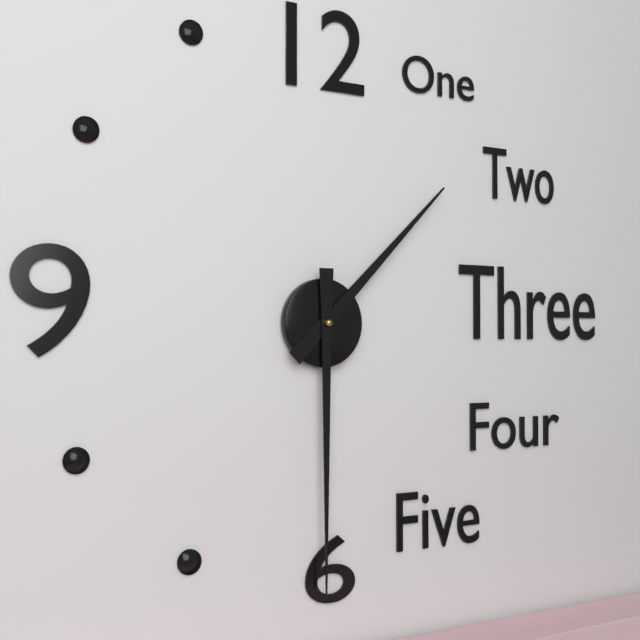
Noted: {"hour": 1, "minute": 30}
